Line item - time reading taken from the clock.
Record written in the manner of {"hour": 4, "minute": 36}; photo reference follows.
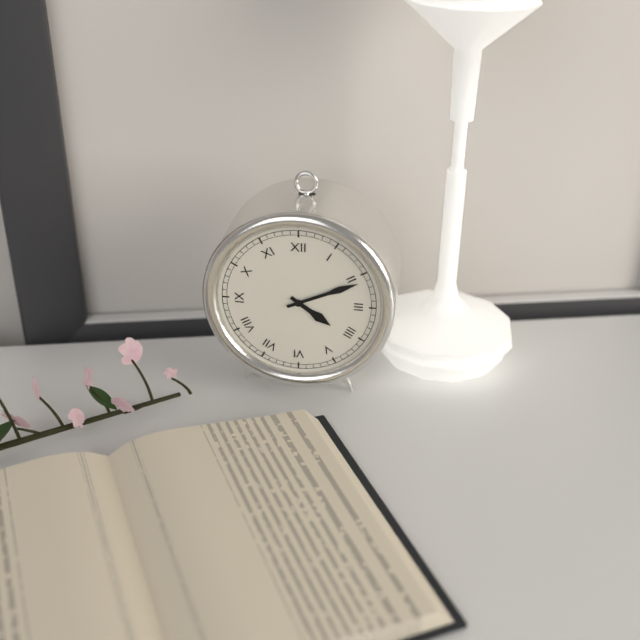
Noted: {"hour": 4, "minute": 11}
